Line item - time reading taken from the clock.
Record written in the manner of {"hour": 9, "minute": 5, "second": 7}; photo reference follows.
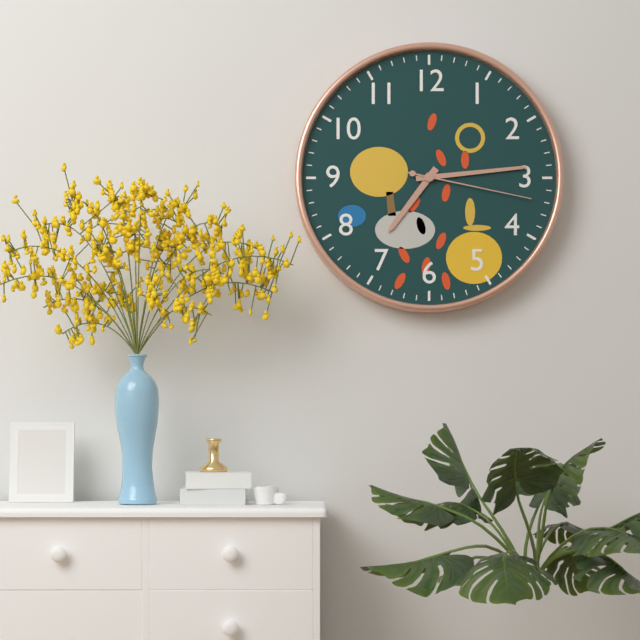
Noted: {"hour": 7, "minute": 14, "second": 17}
